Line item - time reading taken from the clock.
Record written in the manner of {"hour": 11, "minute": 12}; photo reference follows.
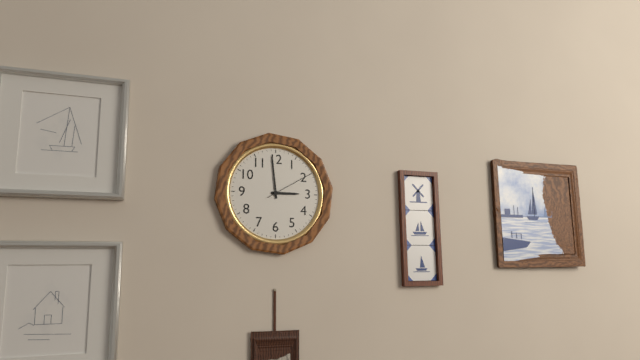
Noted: {"hour": 2, "minute": 59}
